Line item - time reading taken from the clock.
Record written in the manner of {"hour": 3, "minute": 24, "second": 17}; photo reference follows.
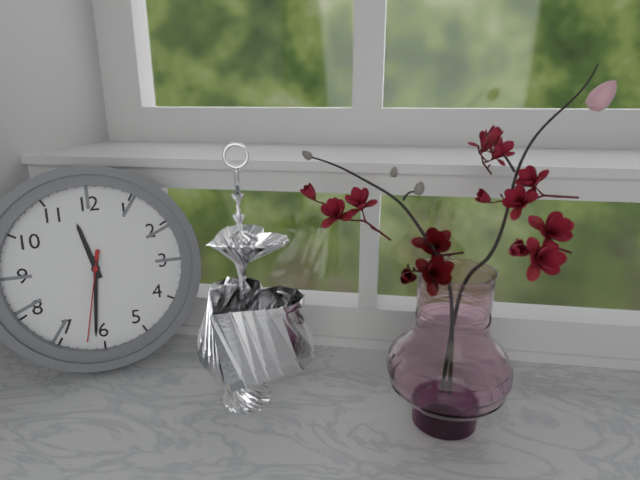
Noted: {"hour": 11, "minute": 31, "second": 32}
